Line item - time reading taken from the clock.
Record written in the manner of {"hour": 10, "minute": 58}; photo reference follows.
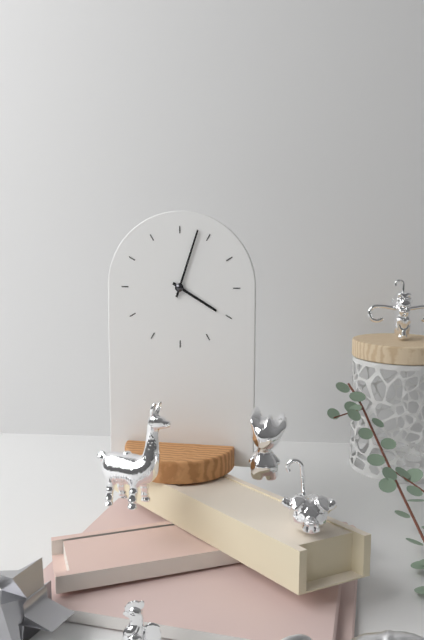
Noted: {"hour": 4, "minute": 3}
